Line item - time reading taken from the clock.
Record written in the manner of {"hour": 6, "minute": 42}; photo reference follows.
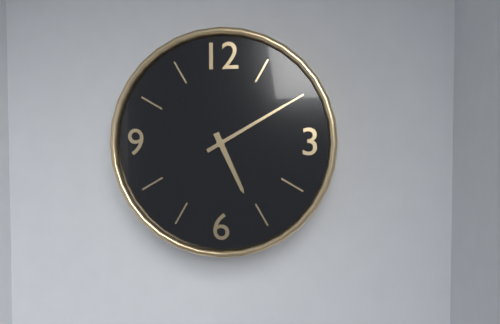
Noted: {"hour": 5, "minute": 10}
